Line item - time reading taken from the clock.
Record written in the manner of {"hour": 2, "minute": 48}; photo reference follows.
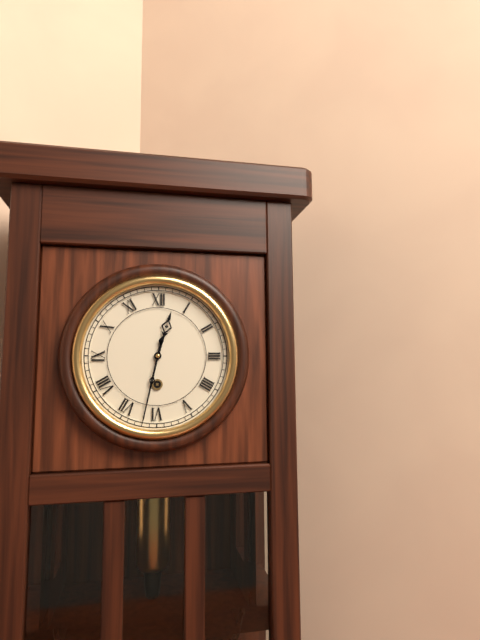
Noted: {"hour": 12, "minute": 32}
